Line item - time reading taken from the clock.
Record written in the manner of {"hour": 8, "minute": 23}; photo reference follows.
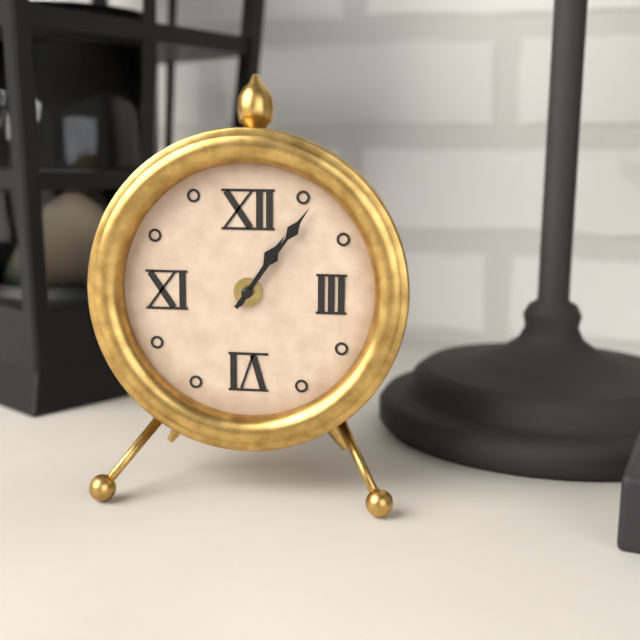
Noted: {"hour": 1, "minute": 6}
